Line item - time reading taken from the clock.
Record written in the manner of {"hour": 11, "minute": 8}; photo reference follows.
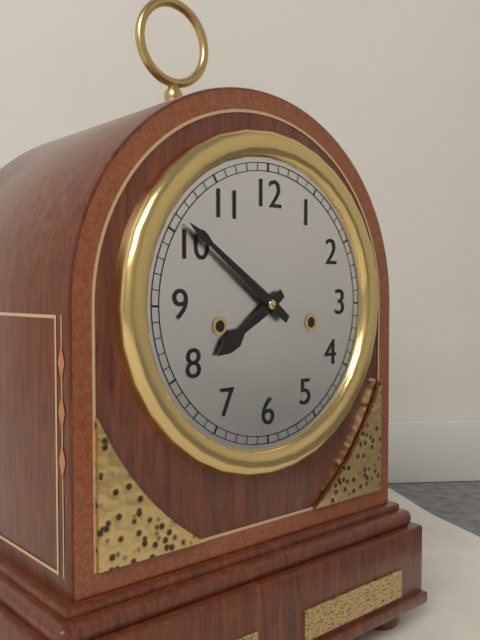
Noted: {"hour": 7, "minute": 51}
